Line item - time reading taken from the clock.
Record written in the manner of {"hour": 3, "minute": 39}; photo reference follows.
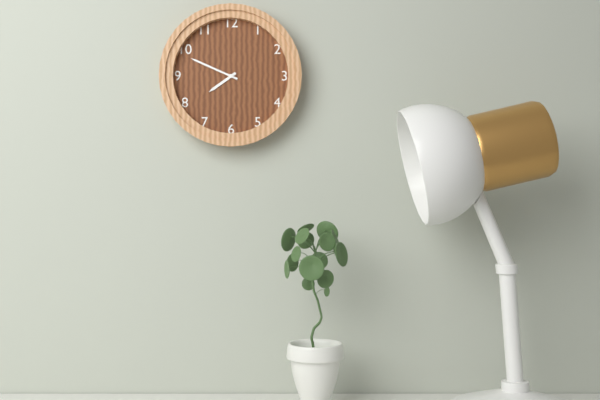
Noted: {"hour": 7, "minute": 49}
